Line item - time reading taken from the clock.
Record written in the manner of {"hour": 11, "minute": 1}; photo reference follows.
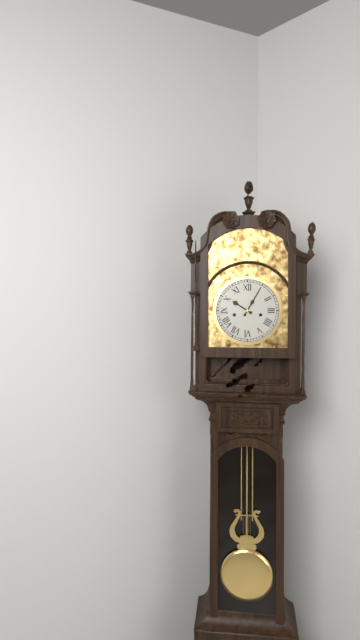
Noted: {"hour": 10, "minute": 5}
